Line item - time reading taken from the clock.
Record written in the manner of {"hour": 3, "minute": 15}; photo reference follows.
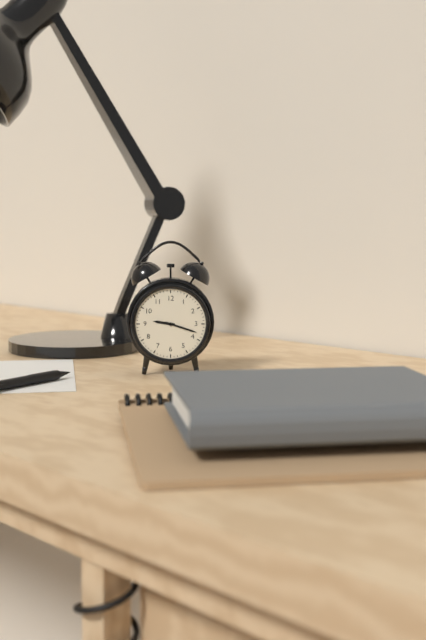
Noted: {"hour": 9, "minute": 18}
